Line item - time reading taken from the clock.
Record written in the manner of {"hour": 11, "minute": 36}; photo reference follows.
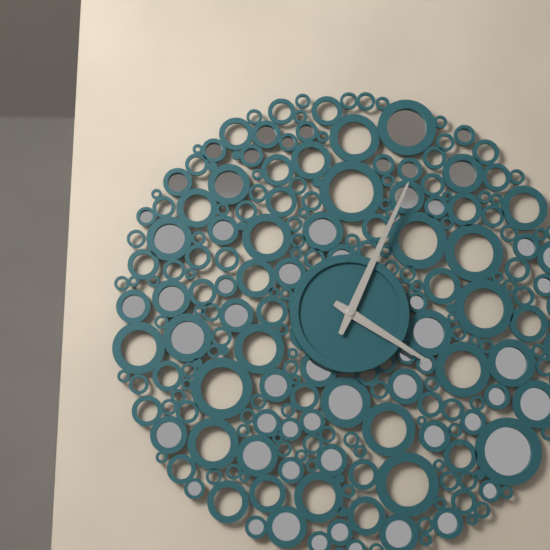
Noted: {"hour": 4, "minute": 4}
